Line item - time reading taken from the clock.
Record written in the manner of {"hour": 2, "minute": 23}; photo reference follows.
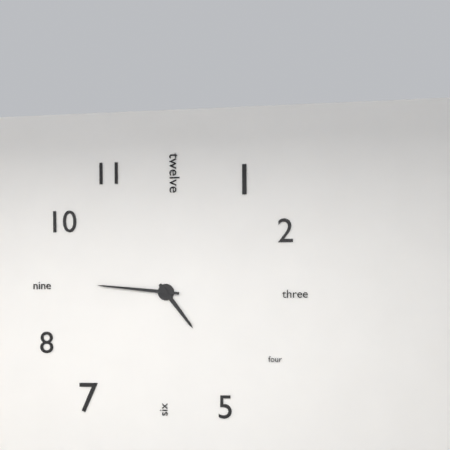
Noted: {"hour": 4, "minute": 46}
